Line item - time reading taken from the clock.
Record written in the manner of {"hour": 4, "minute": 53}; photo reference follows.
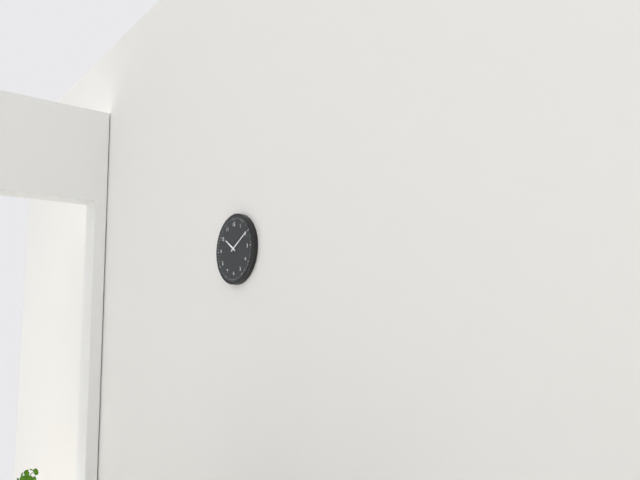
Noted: {"hour": 10, "minute": 10}
